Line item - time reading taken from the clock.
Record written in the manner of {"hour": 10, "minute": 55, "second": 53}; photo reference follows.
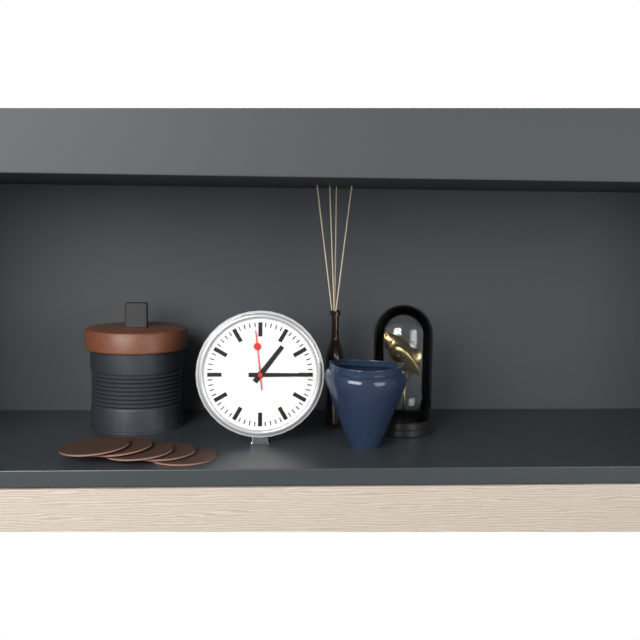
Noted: {"hour": 1, "minute": 15, "second": 59}
